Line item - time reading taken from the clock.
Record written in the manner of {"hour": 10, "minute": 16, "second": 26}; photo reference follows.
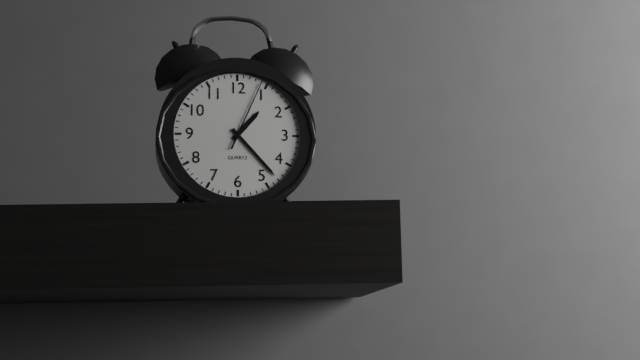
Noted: {"hour": 1, "minute": 23, "second": 4}
